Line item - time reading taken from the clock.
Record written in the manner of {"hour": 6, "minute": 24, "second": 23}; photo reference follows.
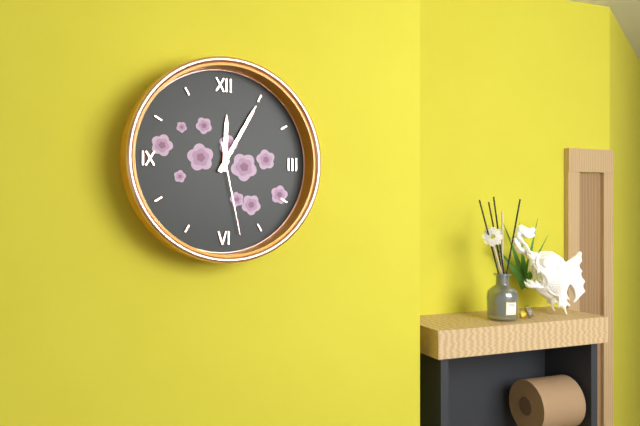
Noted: {"hour": 12, "minute": 5, "second": 28}
